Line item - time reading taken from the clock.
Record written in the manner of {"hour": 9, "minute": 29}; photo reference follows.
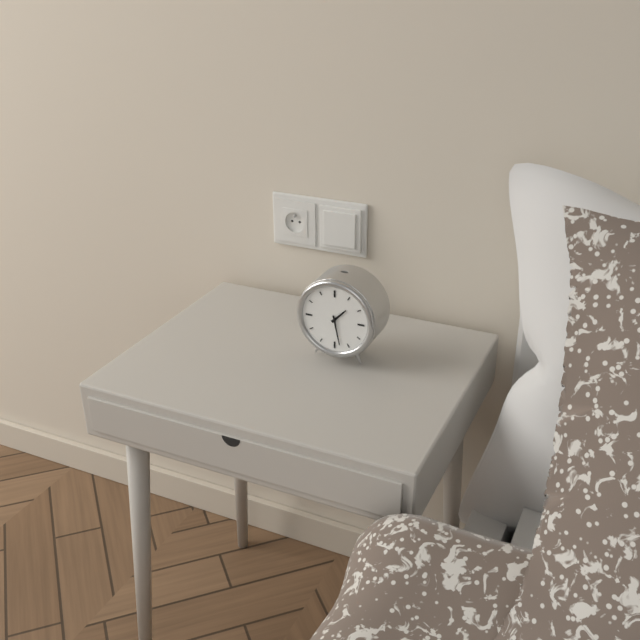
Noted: {"hour": 1, "minute": 28}
